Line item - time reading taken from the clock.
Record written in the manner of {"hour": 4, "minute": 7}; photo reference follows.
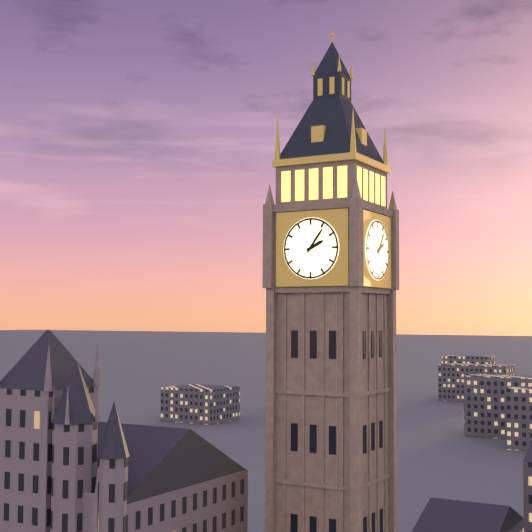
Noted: {"hour": 2, "minute": 6}
